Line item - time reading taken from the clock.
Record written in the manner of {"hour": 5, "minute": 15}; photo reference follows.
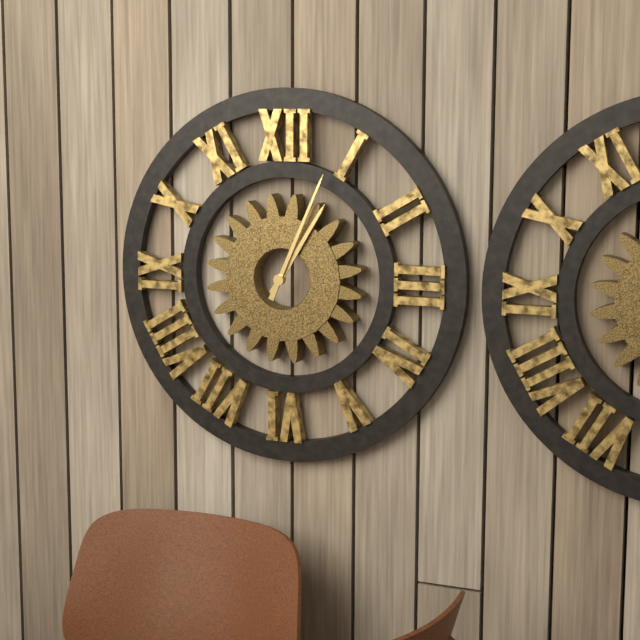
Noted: {"hour": 1, "minute": 4}
